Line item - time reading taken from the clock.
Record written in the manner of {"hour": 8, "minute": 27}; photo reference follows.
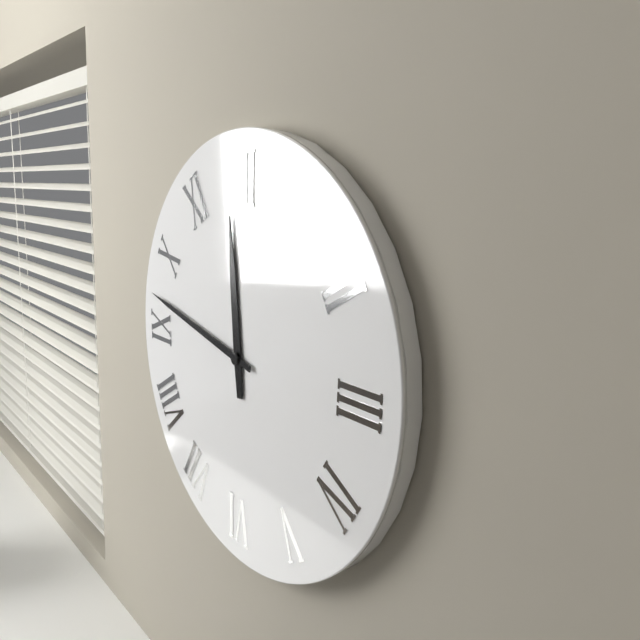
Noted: {"hour": 11, "minute": 47}
